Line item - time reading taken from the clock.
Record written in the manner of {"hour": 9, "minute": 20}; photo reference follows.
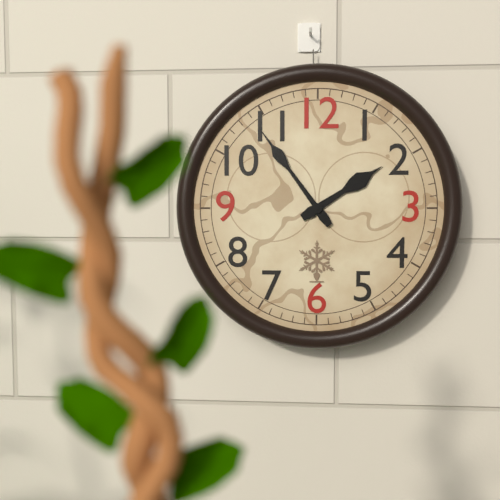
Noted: {"hour": 1, "minute": 54}
